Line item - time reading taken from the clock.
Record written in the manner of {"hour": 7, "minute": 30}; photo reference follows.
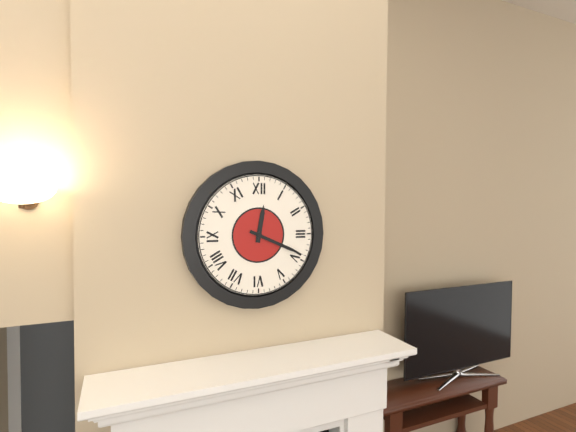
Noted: {"hour": 12, "minute": 19}
